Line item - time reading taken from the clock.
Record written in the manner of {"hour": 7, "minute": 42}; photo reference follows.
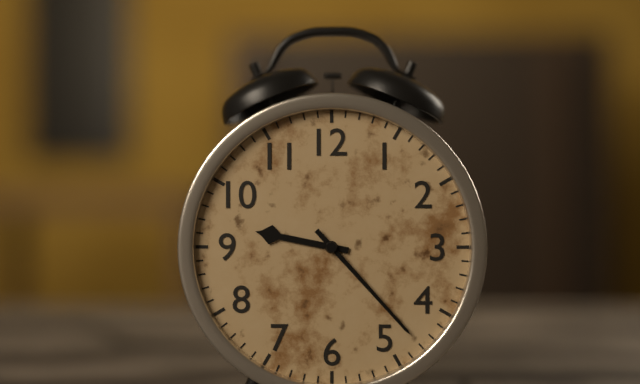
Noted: {"hour": 9, "minute": 23}
